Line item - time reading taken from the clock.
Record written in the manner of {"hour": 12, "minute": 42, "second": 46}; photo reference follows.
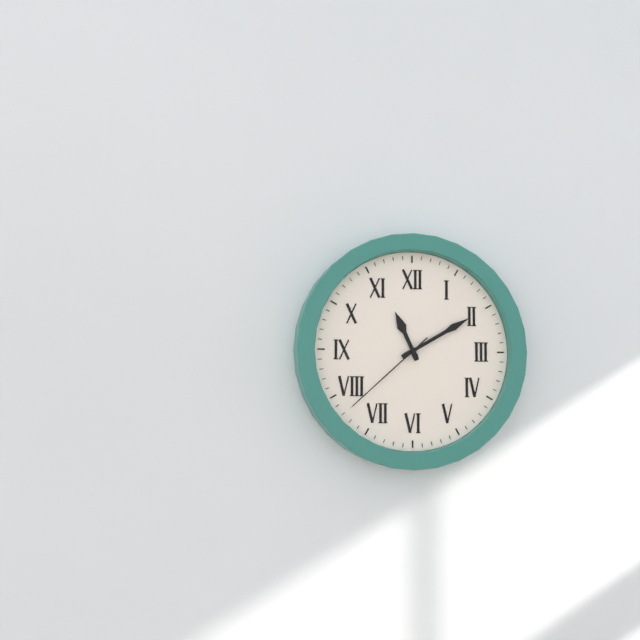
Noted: {"hour": 11, "minute": 10, "second": 38}
